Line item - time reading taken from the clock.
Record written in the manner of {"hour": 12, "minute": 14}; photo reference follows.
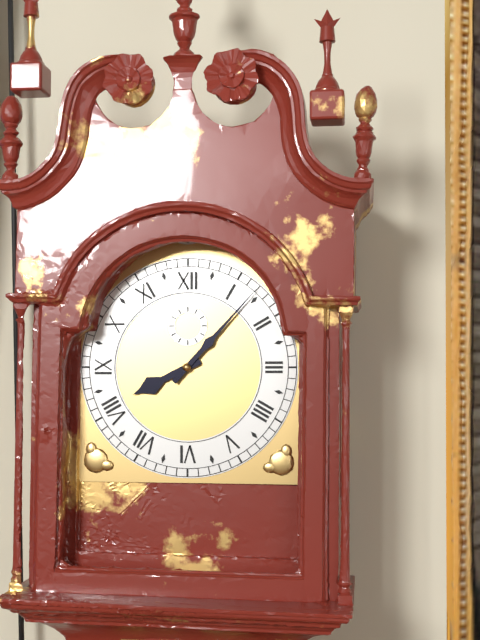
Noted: {"hour": 8, "minute": 7}
